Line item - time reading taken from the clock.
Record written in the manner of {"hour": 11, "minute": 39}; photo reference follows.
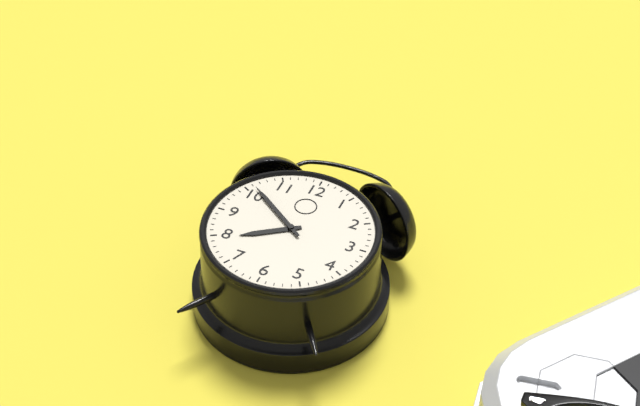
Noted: {"hour": 7, "minute": 51}
